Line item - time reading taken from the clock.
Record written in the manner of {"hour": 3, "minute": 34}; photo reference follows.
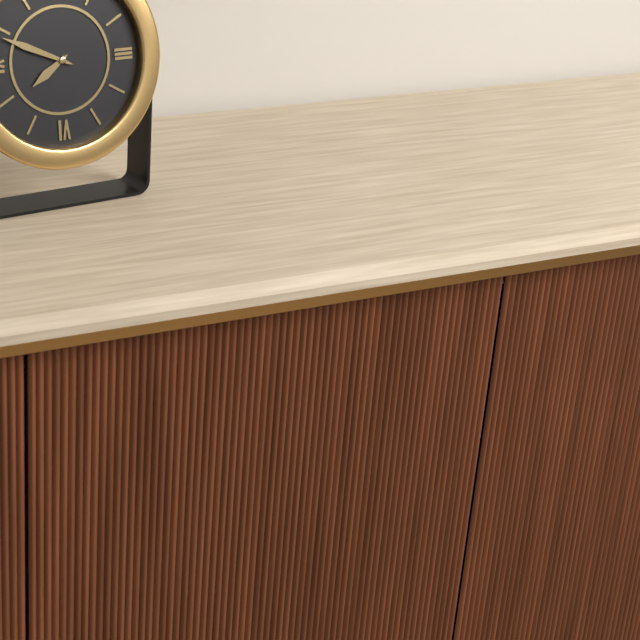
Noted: {"hour": 7, "minute": 49}
